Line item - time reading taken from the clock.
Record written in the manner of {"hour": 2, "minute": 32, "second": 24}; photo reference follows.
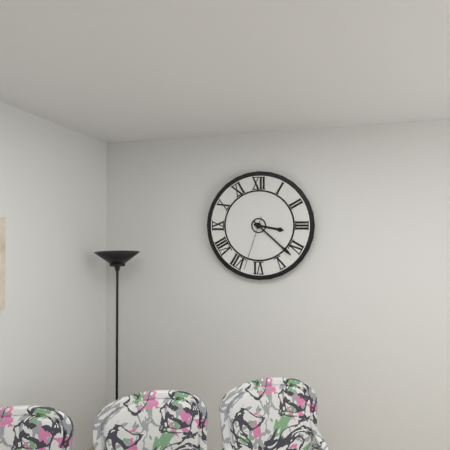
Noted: {"hour": 3, "minute": 22, "second": 33}
